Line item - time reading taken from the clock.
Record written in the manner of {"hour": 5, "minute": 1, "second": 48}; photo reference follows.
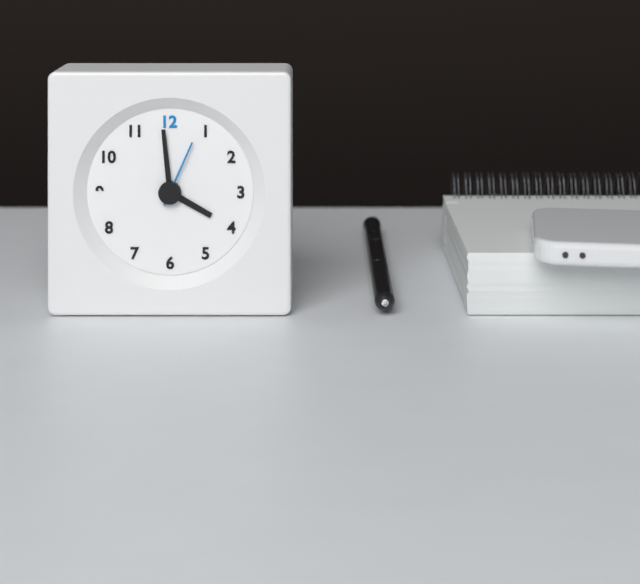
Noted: {"hour": 3, "minute": 59, "second": 4}
